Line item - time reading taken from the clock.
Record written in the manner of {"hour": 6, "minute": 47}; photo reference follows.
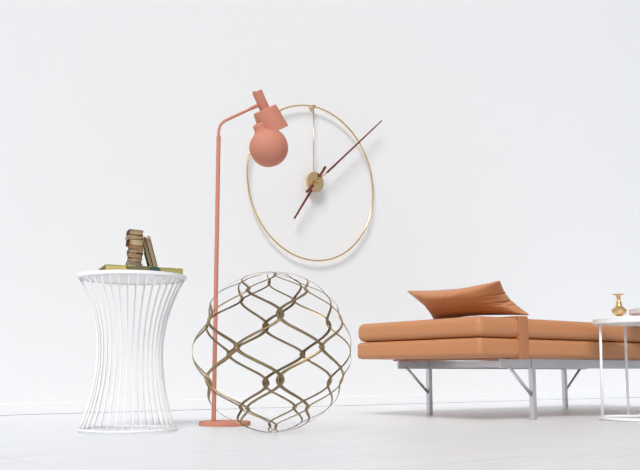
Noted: {"hour": 7, "minute": 8}
